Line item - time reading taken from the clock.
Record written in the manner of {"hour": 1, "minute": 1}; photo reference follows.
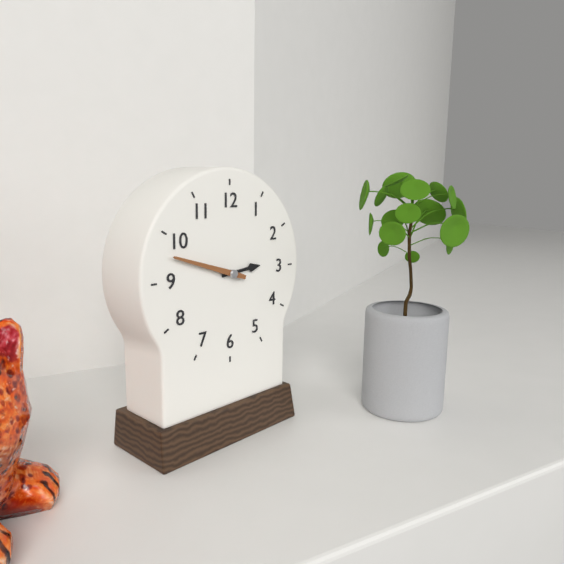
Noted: {"hour": 2, "minute": 48}
